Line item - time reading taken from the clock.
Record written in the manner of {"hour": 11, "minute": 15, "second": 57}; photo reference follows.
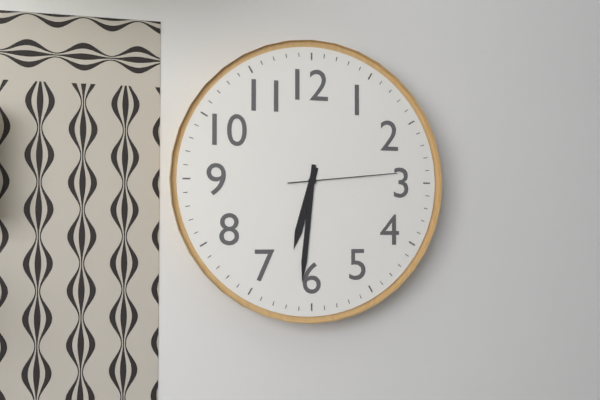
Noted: {"hour": 6, "minute": 31, "second": 14}
